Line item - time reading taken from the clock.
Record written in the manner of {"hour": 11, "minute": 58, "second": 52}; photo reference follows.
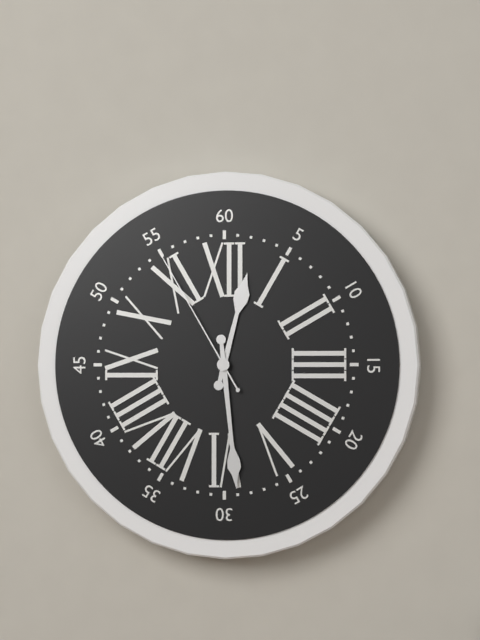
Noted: {"hour": 12, "minute": 29, "second": 55}
